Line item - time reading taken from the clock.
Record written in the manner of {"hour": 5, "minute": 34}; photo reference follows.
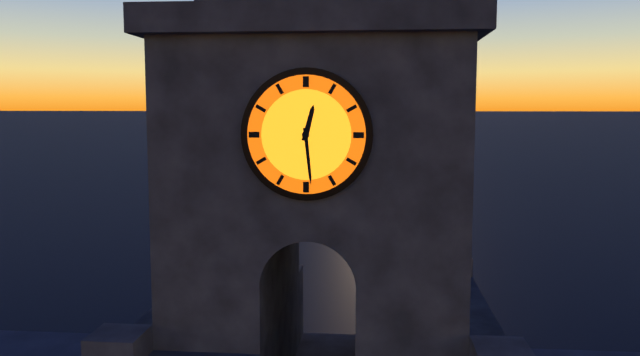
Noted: {"hour": 12, "minute": 29}
